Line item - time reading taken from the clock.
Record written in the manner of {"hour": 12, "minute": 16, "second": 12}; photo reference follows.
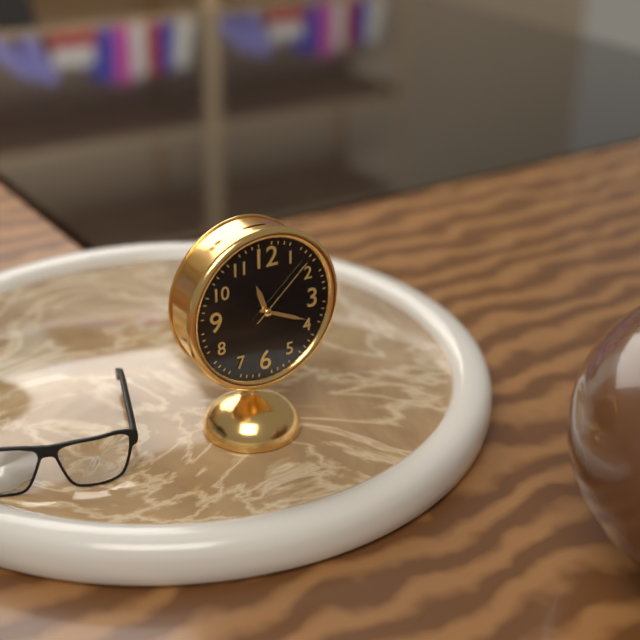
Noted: {"hour": 11, "minute": 19, "second": 8}
